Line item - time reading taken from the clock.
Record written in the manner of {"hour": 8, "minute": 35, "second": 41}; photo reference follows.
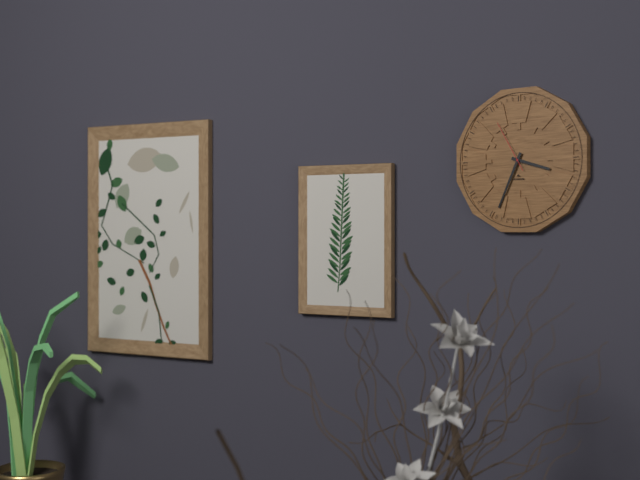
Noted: {"hour": 3, "minute": 34, "second": 55}
